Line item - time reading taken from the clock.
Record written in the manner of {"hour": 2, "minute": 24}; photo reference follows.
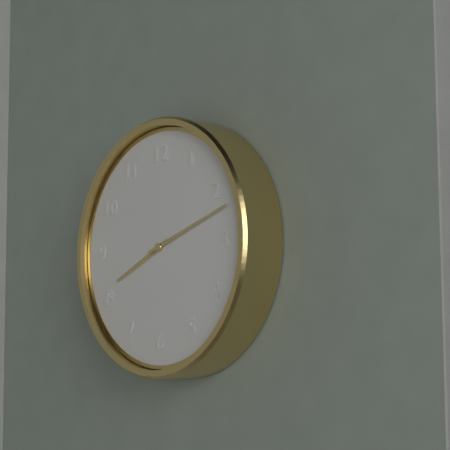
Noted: {"hour": 8, "minute": 12}
